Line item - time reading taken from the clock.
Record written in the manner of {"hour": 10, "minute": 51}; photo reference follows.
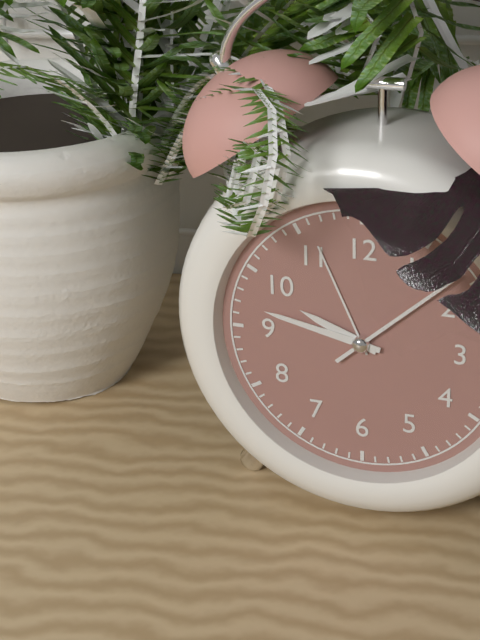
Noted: {"hour": 9, "minute": 47}
